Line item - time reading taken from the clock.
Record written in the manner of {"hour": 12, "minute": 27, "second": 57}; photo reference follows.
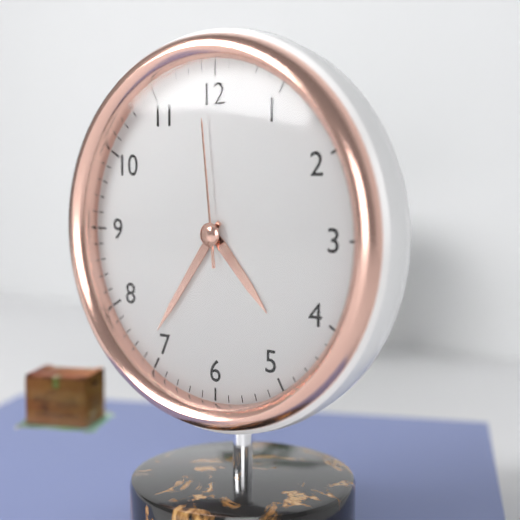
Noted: {"hour": 4, "minute": 36, "second": 59}
